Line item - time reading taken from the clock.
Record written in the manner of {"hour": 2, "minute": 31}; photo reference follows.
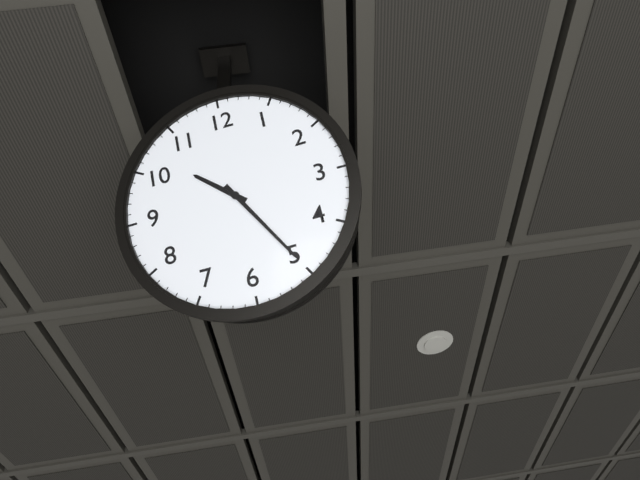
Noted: {"hour": 10, "minute": 25}
